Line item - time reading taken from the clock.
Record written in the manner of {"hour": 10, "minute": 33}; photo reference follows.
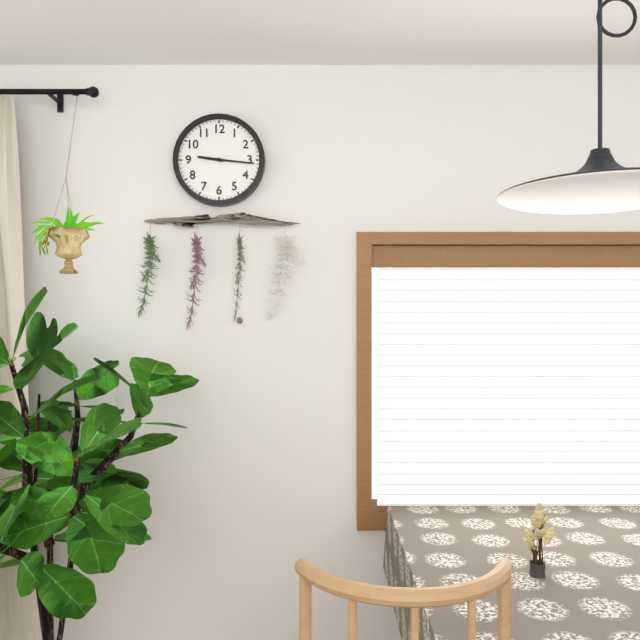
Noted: {"hour": 9, "minute": 16}
